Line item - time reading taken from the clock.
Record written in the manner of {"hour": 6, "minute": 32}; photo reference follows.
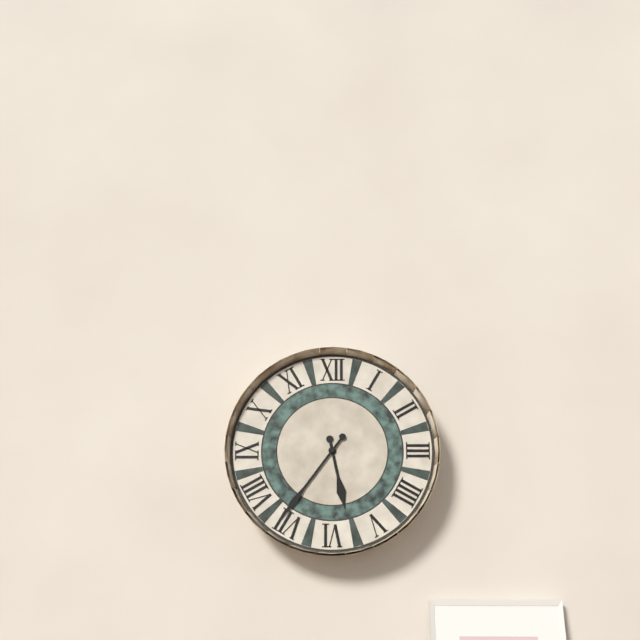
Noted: {"hour": 5, "minute": 36}
